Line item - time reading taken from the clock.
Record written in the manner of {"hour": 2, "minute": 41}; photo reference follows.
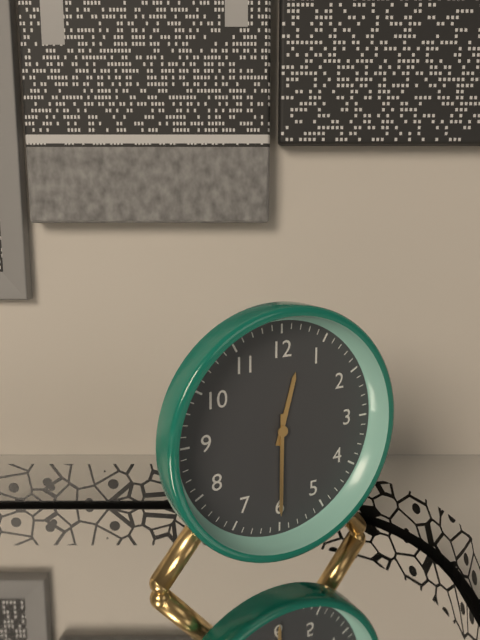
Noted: {"hour": 12, "minute": 30}
